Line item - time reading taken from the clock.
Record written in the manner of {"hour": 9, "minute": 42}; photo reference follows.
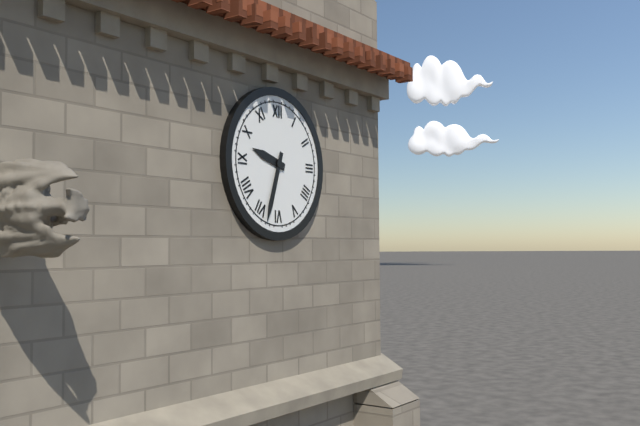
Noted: {"hour": 9, "minute": 33}
